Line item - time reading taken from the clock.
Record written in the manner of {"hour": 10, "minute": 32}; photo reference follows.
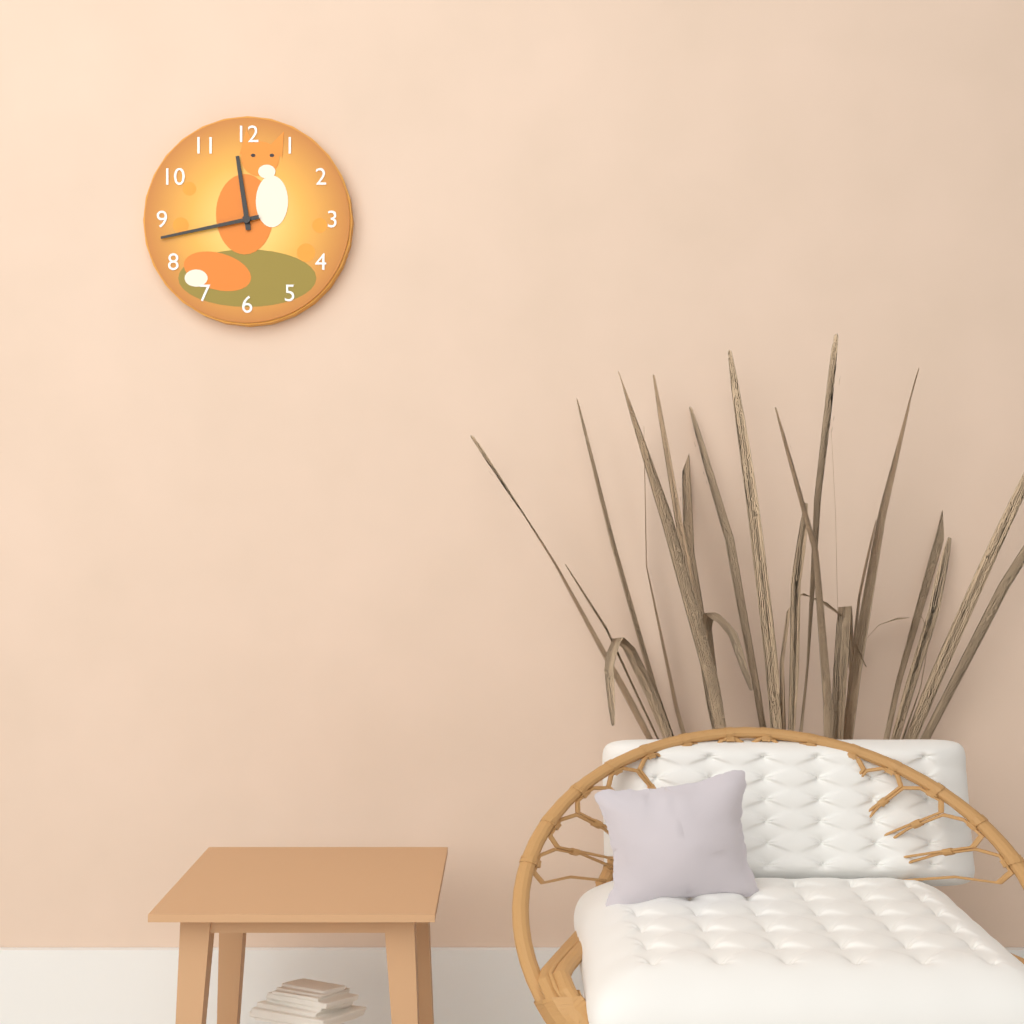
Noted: {"hour": 11, "minute": 43}
